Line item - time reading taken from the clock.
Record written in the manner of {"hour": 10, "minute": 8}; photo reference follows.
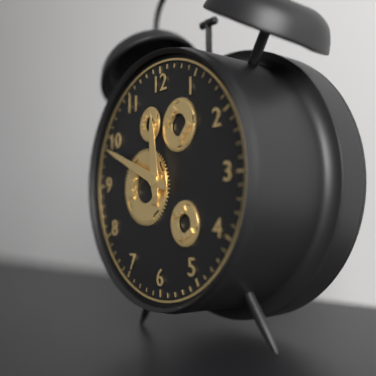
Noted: {"hour": 11, "minute": 49}
